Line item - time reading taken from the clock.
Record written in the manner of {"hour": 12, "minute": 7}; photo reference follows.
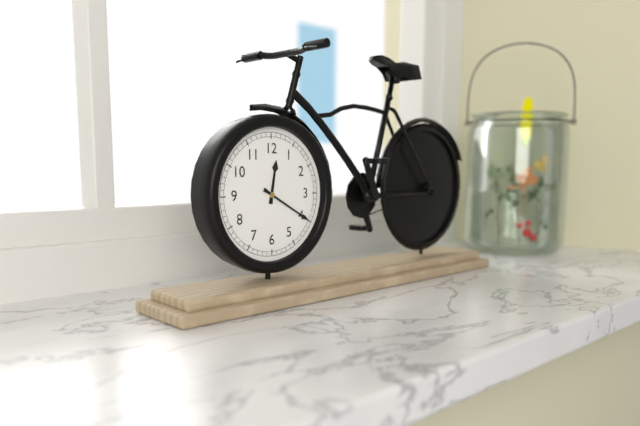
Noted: {"hour": 12, "minute": 20}
